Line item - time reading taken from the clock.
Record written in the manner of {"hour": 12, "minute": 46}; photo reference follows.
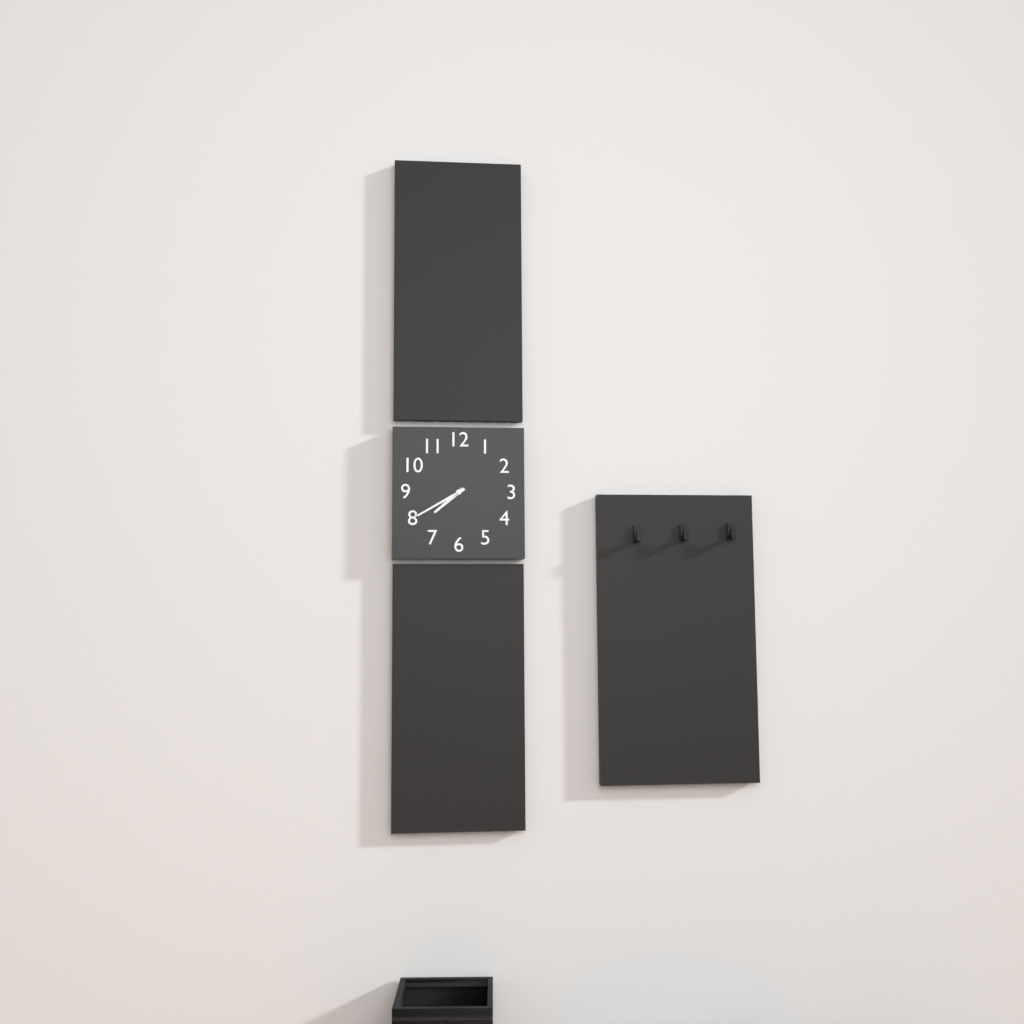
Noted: {"hour": 7, "minute": 40}
